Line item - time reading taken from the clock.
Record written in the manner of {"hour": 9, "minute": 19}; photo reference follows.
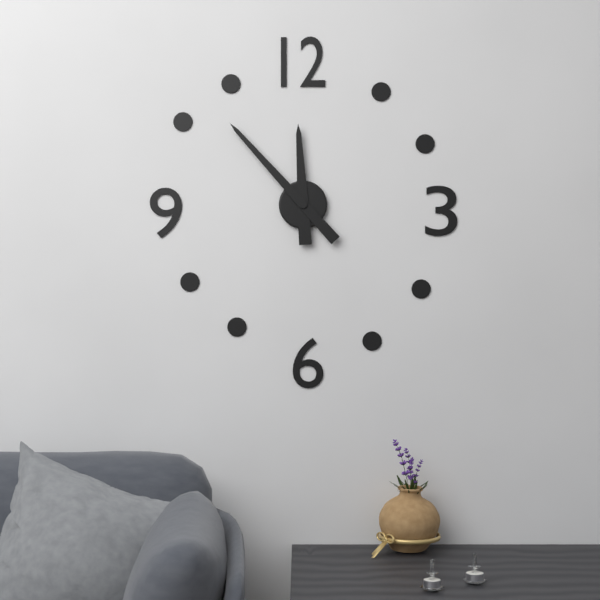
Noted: {"hour": 11, "minute": 53}
